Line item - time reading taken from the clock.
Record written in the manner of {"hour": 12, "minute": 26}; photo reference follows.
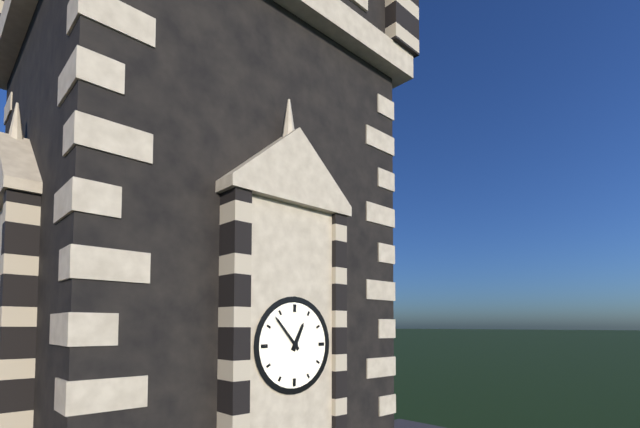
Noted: {"hour": 12, "minute": 53}
